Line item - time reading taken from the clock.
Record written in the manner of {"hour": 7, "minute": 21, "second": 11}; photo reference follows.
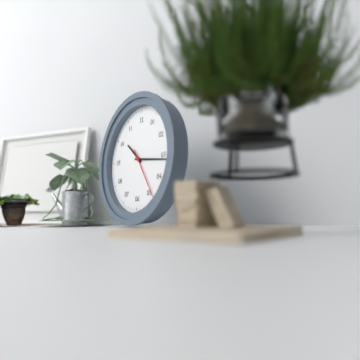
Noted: {"hour": 10, "minute": 16, "second": 24}
